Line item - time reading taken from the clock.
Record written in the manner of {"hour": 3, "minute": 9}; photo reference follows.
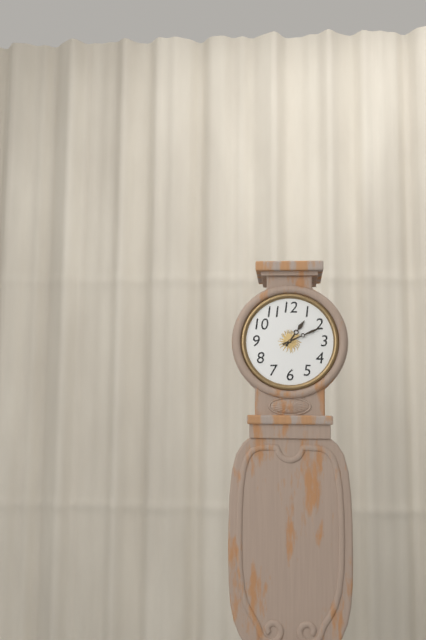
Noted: {"hour": 1, "minute": 11}
